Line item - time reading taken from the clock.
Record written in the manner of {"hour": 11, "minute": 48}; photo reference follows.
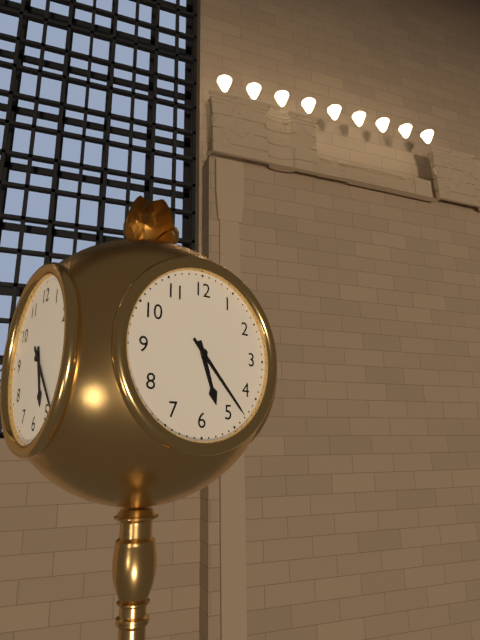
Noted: {"hour": 5, "minute": 23}
